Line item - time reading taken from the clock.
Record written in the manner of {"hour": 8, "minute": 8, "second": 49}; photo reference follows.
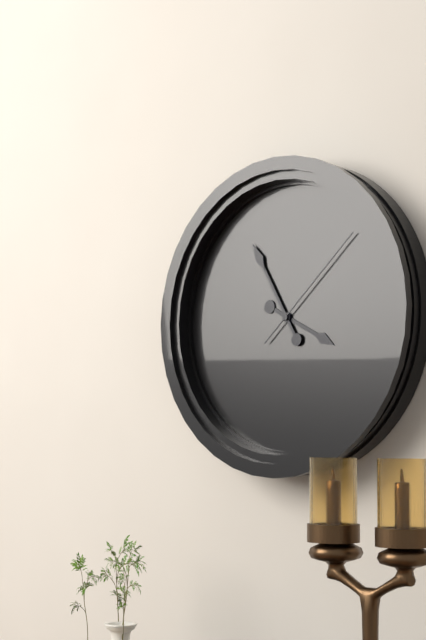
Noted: {"hour": 3, "minute": 55, "second": 8}
